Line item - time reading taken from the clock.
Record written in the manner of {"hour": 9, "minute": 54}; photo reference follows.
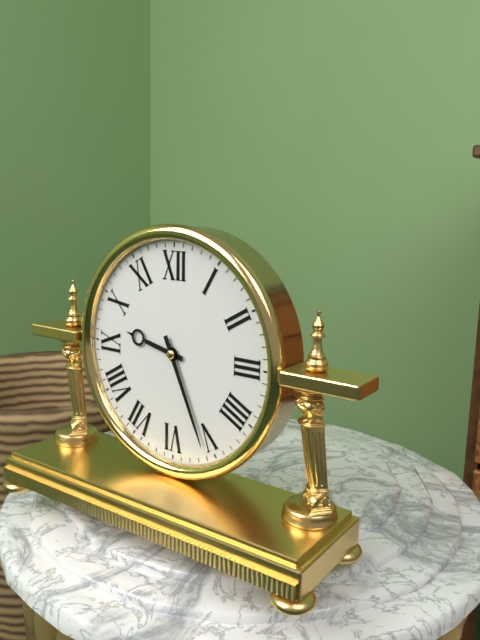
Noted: {"hour": 9, "minute": 26}
